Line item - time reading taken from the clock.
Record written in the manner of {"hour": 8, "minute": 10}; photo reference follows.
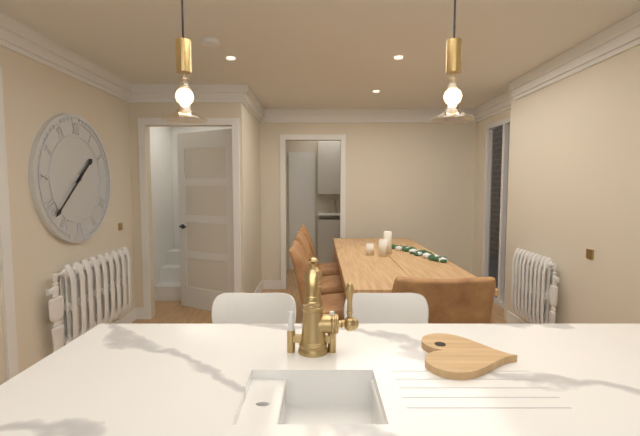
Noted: {"hour": 1, "minute": 38}
